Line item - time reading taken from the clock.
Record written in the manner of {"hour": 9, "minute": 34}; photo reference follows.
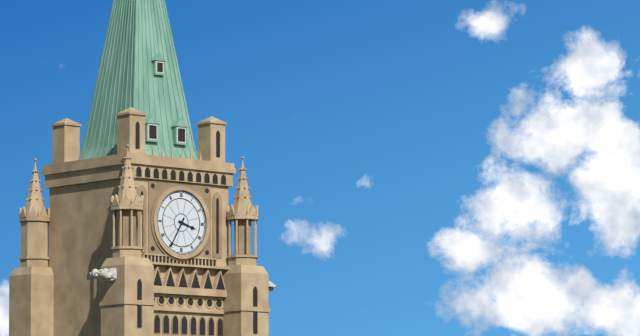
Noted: {"hour": 3, "minute": 35}
